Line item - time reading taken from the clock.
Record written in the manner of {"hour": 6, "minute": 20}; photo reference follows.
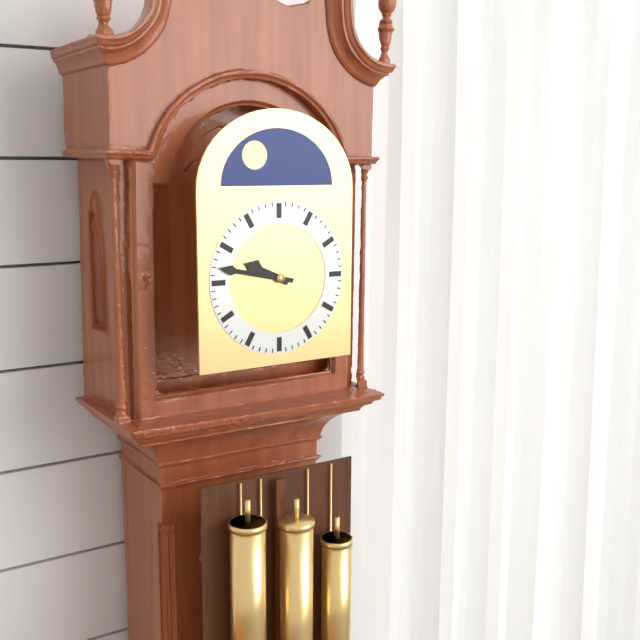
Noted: {"hour": 9, "minute": 47}
